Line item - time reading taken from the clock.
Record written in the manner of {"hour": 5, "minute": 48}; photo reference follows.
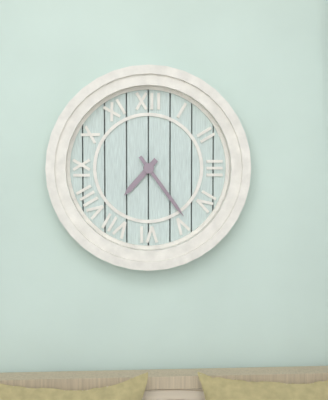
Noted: {"hour": 7, "minute": 24}
